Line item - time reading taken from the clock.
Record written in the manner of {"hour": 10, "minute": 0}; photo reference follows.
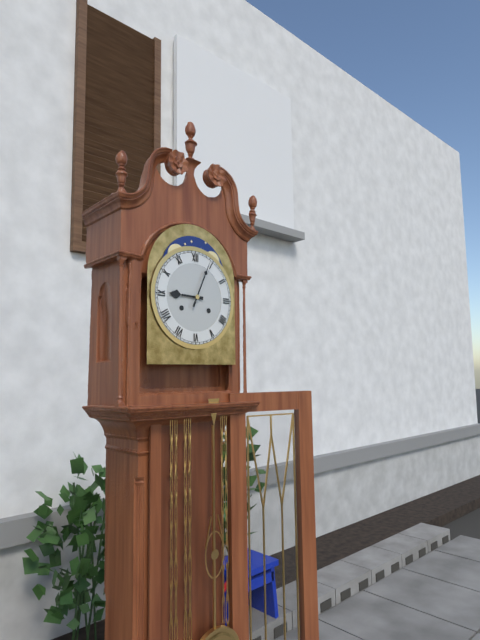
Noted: {"hour": 9, "minute": 4}
